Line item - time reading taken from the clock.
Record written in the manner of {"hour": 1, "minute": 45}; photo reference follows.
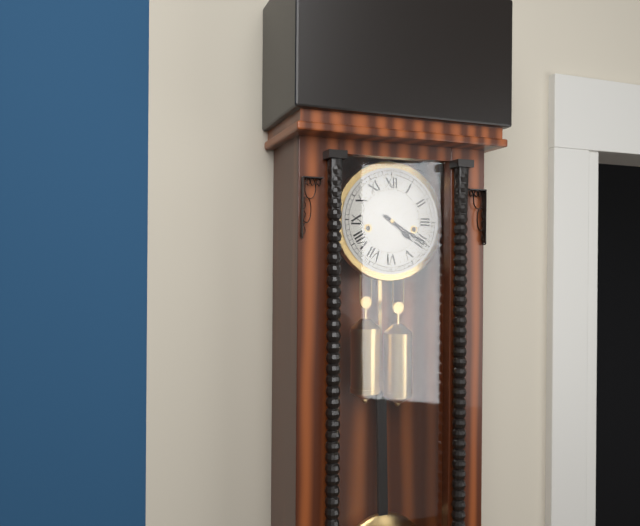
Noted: {"hour": 4, "minute": 20}
